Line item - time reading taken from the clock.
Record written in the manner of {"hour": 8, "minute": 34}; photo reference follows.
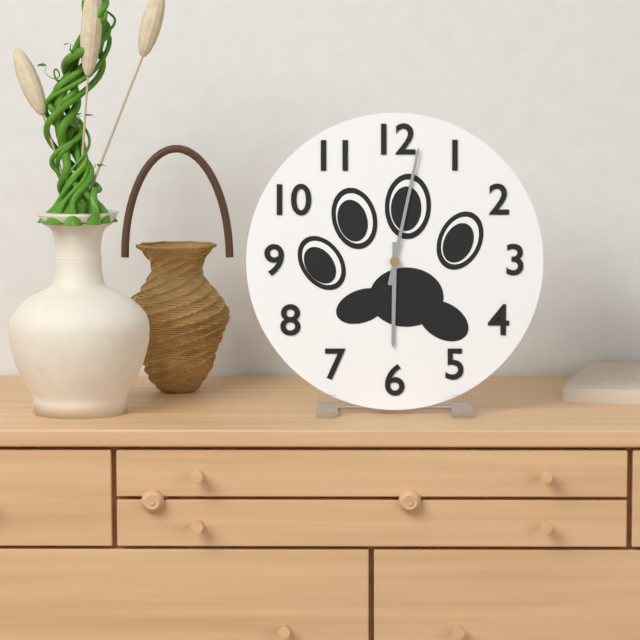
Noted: {"hour": 6, "minute": 2}
